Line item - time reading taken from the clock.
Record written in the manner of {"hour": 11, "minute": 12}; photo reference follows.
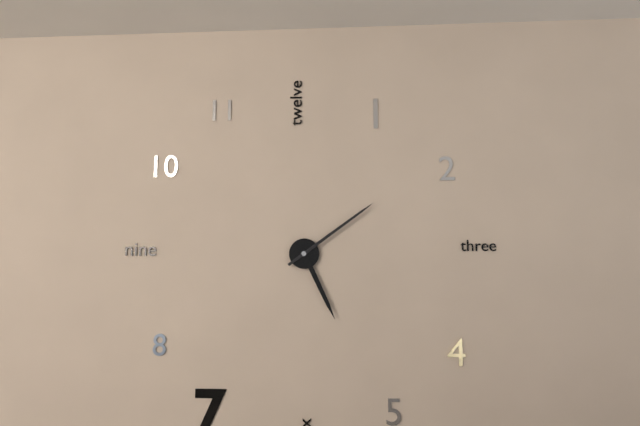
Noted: {"hour": 5, "minute": 9}
